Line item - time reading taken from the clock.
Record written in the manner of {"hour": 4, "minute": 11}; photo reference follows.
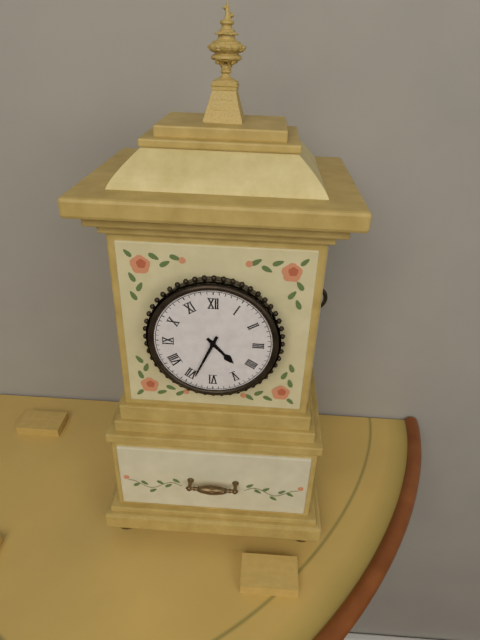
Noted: {"hour": 4, "minute": 34}
